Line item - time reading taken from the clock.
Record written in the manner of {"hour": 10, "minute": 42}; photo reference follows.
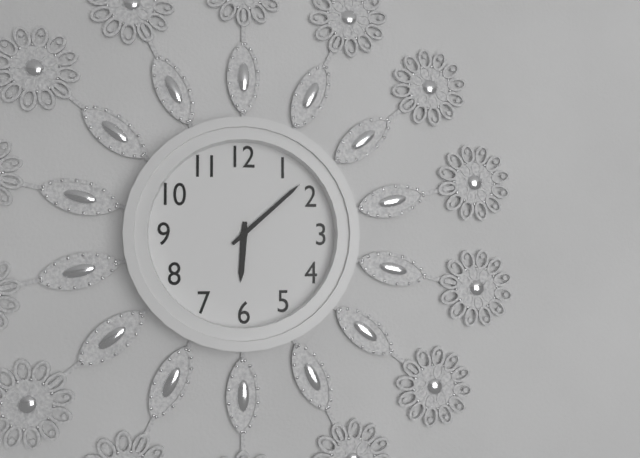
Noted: {"hour": 6, "minute": 8}
